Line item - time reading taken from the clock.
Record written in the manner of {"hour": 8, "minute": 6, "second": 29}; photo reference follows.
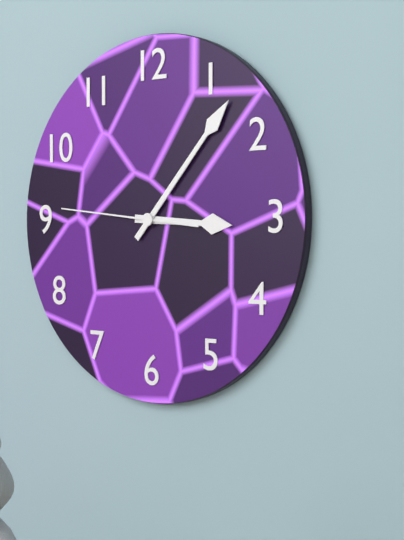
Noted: {"hour": 3, "minute": 7, "second": 46}
